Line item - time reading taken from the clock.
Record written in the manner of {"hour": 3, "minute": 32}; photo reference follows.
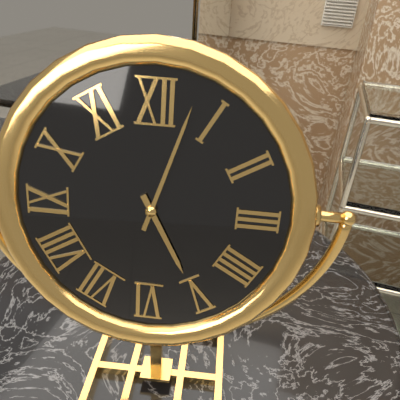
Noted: {"hour": 5, "minute": 3}
